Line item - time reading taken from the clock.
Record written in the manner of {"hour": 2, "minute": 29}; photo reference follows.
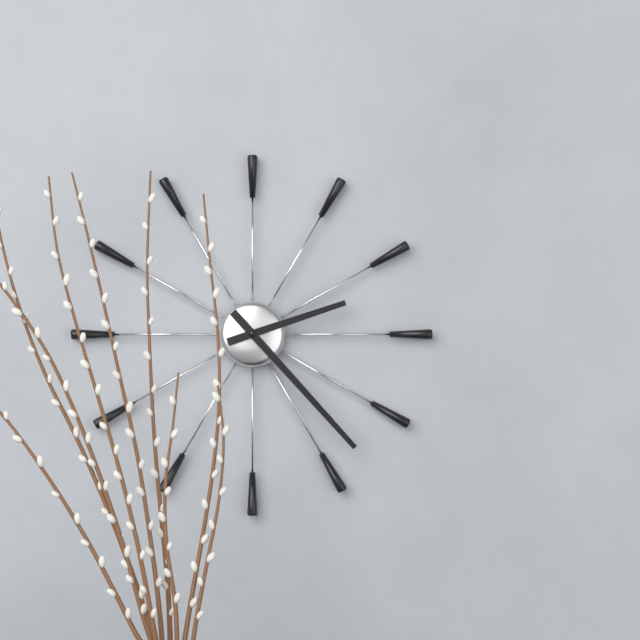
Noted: {"hour": 2, "minute": 23}
